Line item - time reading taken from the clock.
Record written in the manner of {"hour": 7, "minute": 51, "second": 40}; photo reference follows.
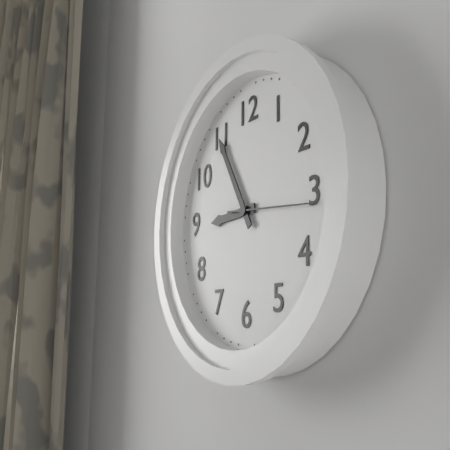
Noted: {"hour": 8, "minute": 55, "second": 16}
